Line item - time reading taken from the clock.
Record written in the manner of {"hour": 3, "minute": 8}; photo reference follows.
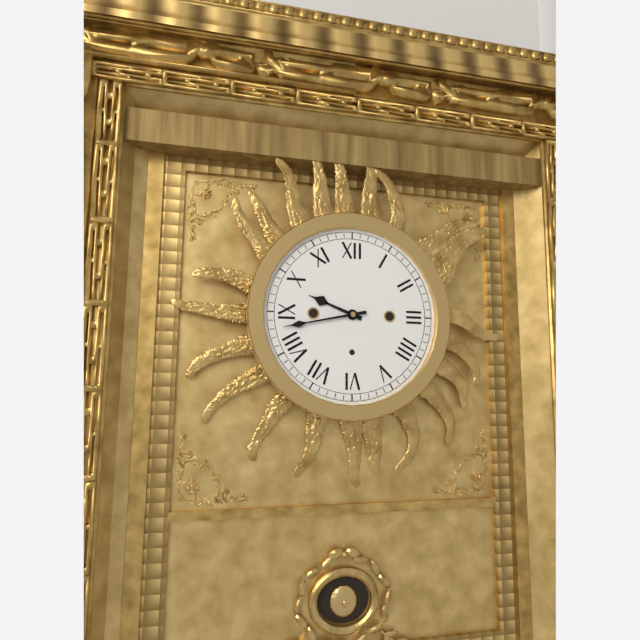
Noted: {"hour": 9, "minute": 43}
